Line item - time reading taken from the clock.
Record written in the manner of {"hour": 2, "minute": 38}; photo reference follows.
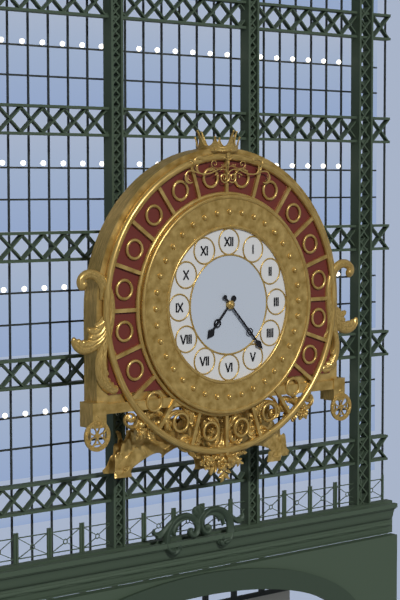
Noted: {"hour": 7, "minute": 23}
